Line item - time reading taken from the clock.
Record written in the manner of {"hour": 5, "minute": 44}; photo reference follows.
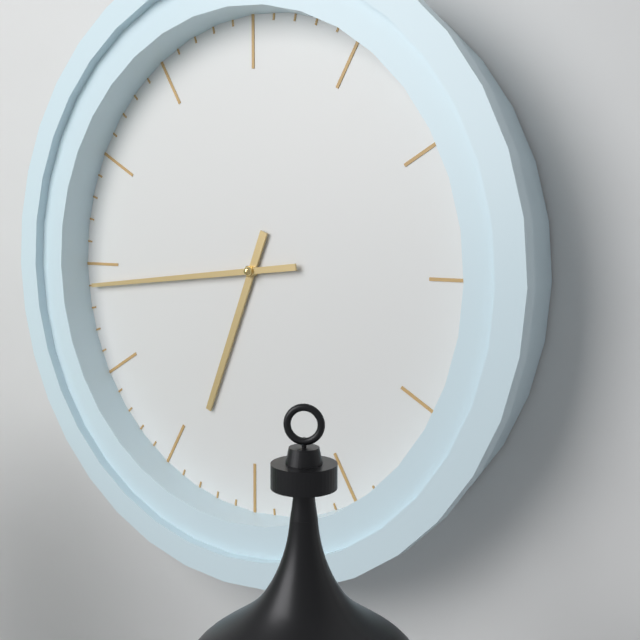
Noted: {"hour": 6, "minute": 44}
